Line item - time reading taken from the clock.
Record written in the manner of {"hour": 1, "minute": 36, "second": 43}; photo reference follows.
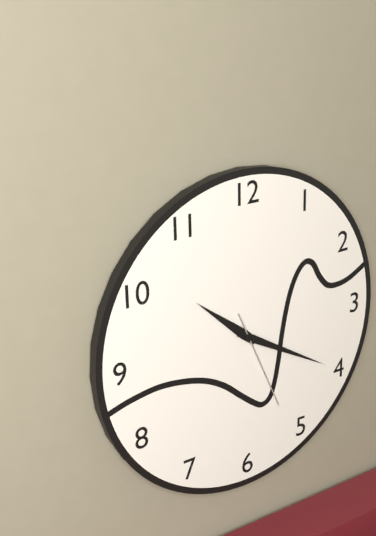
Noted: {"hour": 10, "minute": 20, "second": 26}
